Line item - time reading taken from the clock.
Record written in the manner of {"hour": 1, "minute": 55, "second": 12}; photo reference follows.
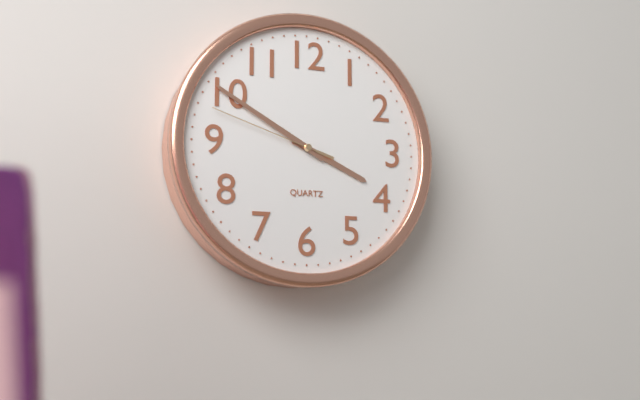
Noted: {"hour": 3, "minute": 50, "second": 48}
